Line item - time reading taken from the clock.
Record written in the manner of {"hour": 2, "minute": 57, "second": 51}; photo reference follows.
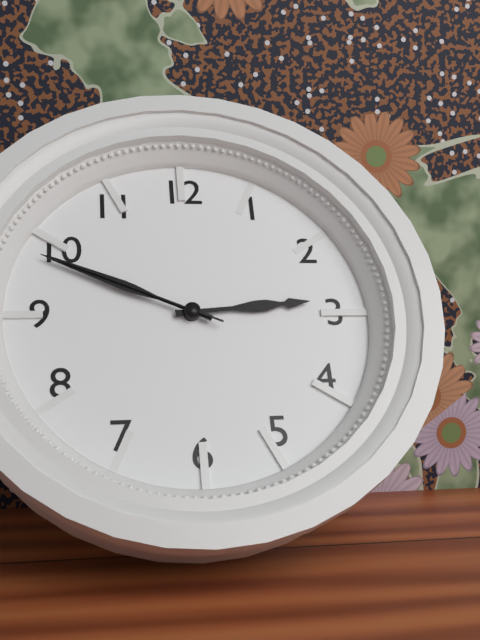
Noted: {"hour": 2, "minute": 49, "second": 49}
